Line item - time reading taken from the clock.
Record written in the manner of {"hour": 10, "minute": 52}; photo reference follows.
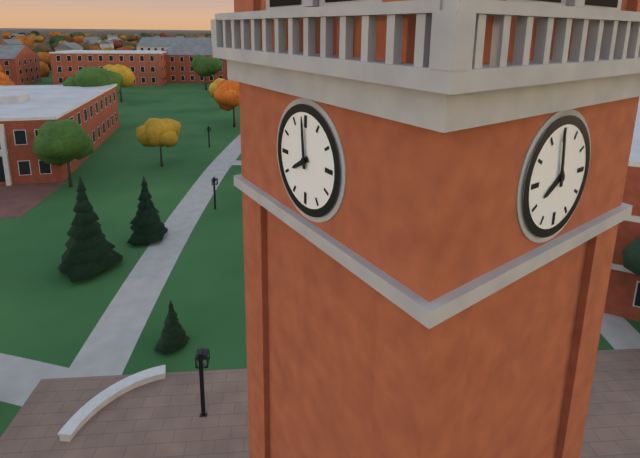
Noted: {"hour": 7, "minute": 59}
